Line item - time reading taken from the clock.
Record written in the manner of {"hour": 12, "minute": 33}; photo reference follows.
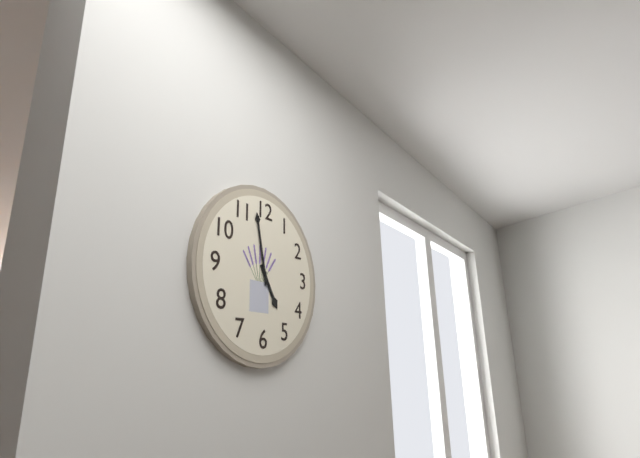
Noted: {"hour": 4, "minute": 58}
